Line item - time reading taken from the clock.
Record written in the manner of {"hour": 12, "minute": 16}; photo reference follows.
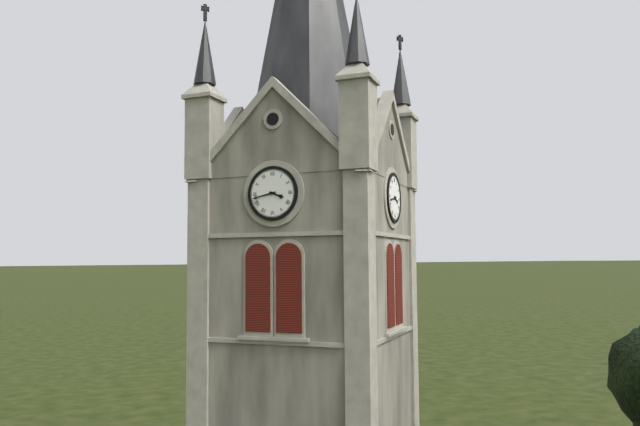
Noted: {"hour": 3, "minute": 43}
